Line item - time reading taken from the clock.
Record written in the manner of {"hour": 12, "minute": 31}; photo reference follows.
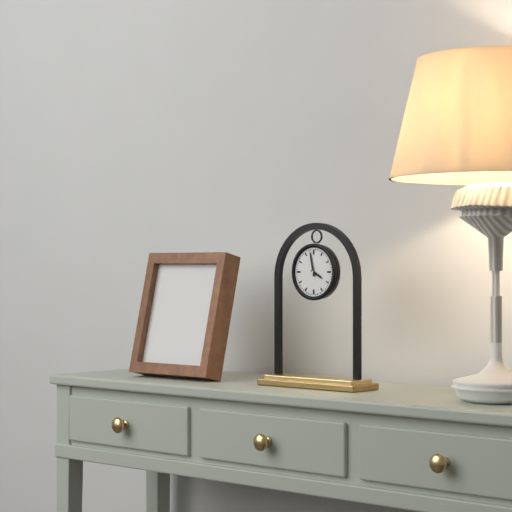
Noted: {"hour": 3, "minute": 58}
